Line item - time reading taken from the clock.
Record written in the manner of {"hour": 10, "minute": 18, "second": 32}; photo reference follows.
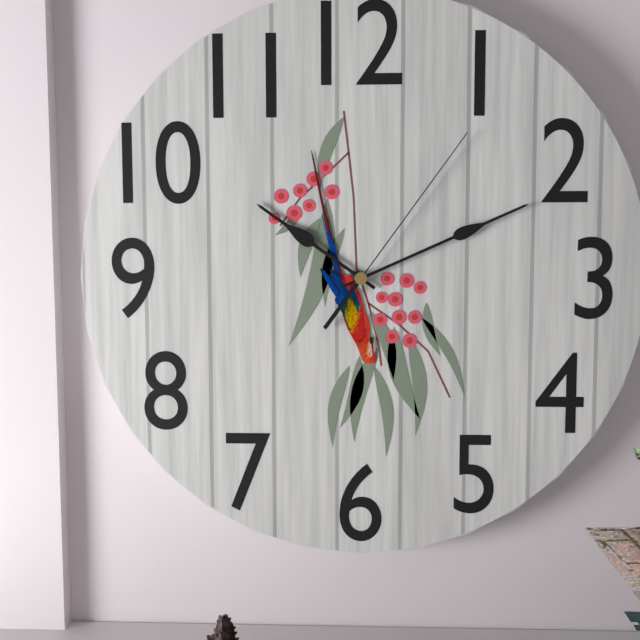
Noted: {"hour": 10, "minute": 11, "second": 6}
